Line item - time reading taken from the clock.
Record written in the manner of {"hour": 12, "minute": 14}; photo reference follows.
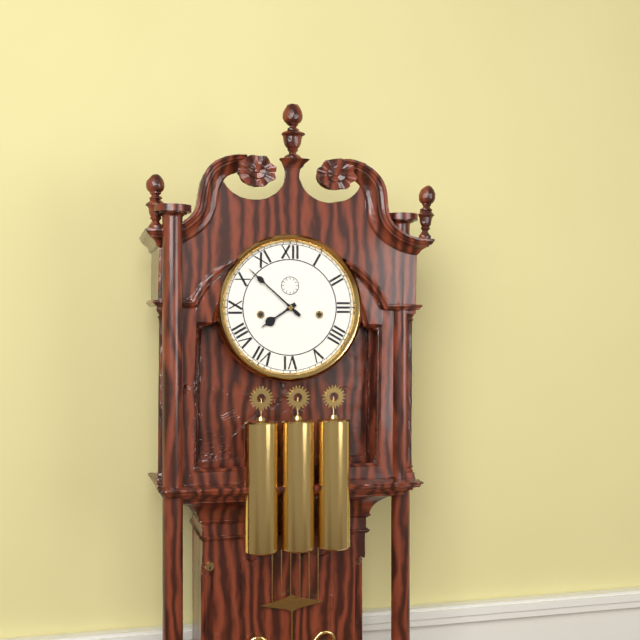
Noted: {"hour": 7, "minute": 52}
